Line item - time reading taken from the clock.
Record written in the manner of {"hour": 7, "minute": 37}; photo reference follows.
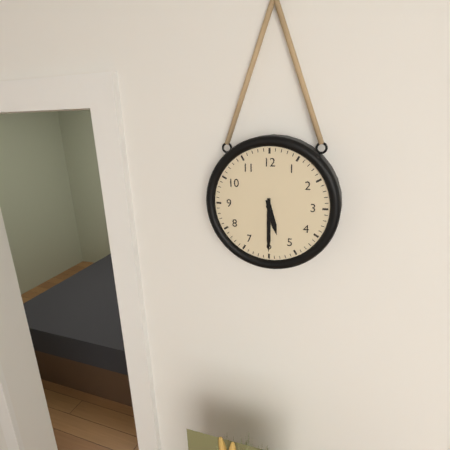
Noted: {"hour": 5, "minute": 30}
